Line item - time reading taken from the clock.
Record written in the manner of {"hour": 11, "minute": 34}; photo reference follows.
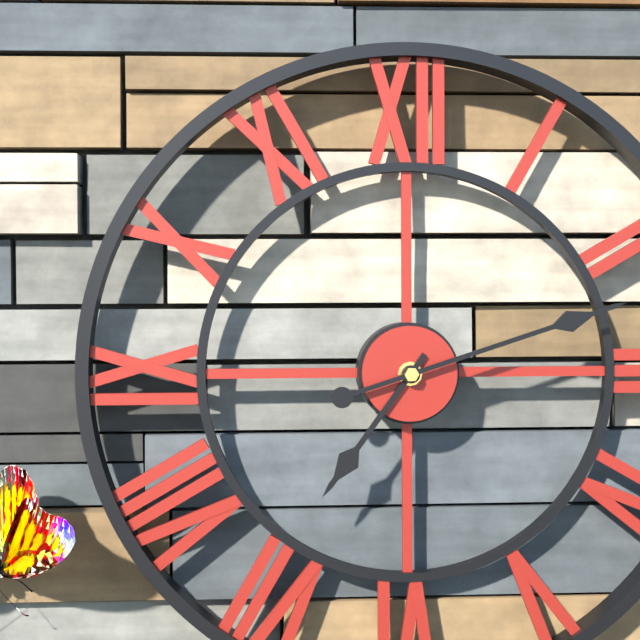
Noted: {"hour": 7, "minute": 12}
